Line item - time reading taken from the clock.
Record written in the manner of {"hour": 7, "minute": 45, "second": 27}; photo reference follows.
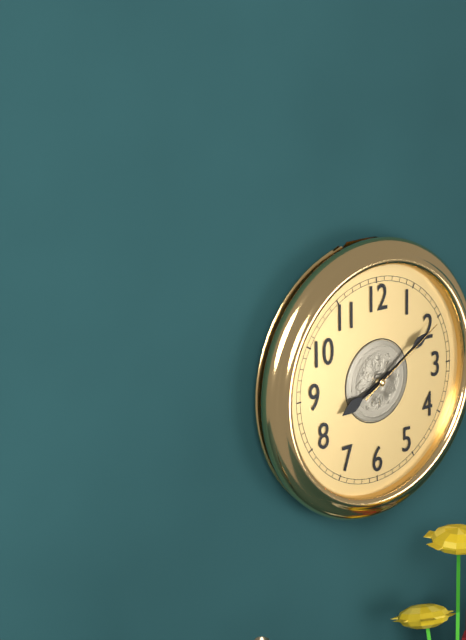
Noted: {"hour": 8, "minute": 10, "second": 10}
